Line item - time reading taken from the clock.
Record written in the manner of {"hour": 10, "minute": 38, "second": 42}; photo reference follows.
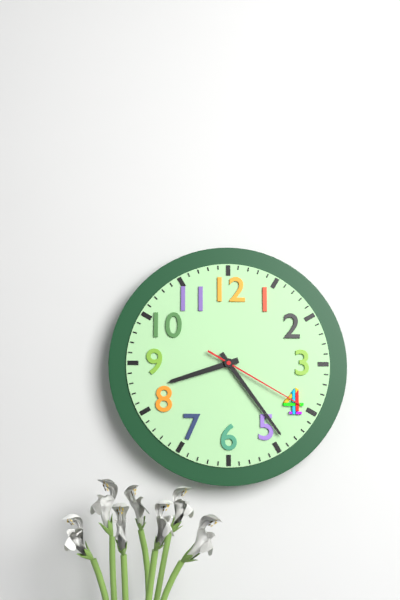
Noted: {"hour": 8, "minute": 24, "second": 20}
